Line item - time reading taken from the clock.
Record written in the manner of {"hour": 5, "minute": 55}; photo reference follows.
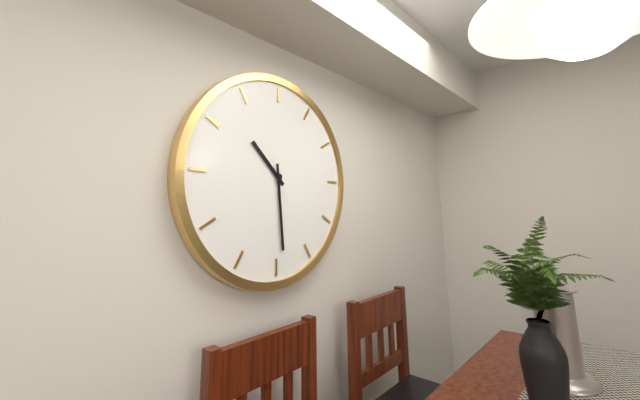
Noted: {"hour": 10, "minute": 29}
